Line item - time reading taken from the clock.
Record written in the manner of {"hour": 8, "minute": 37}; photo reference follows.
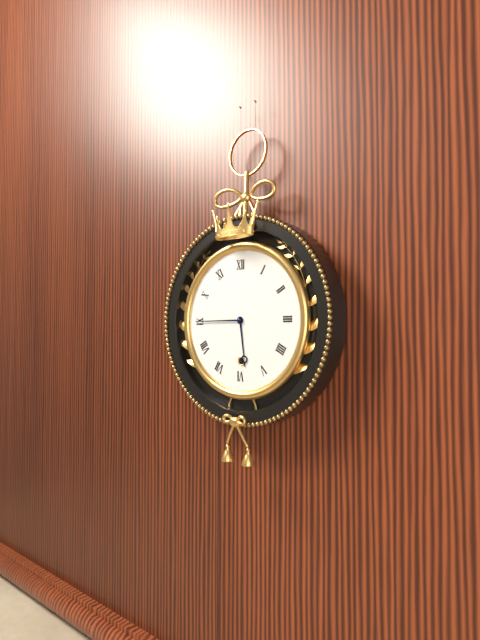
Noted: {"hour": 5, "minute": 45}
